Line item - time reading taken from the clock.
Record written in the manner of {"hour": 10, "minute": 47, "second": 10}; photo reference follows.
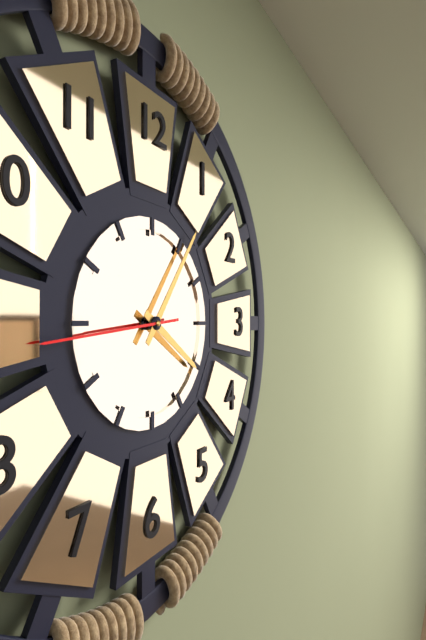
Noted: {"hour": 4, "minute": 6, "second": 44}
